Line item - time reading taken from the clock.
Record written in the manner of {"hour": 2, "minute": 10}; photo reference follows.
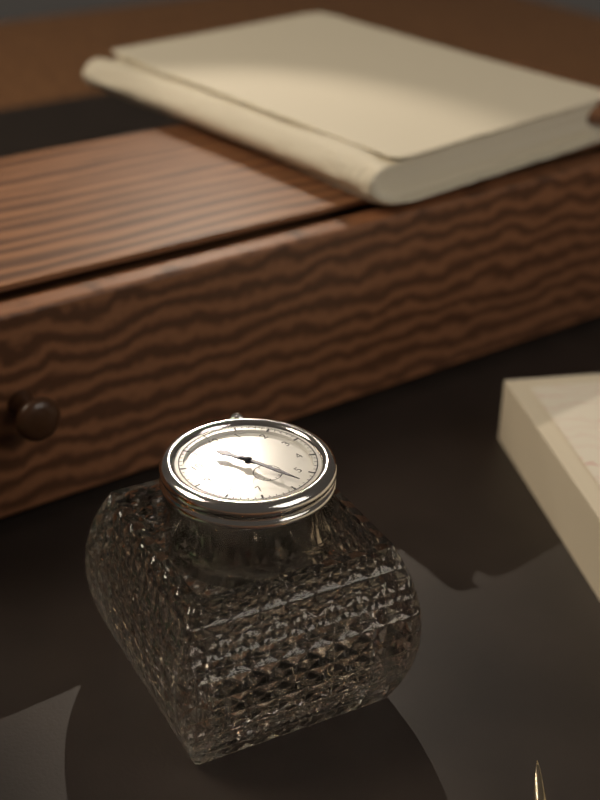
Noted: {"hour": 11, "minute": 28}
